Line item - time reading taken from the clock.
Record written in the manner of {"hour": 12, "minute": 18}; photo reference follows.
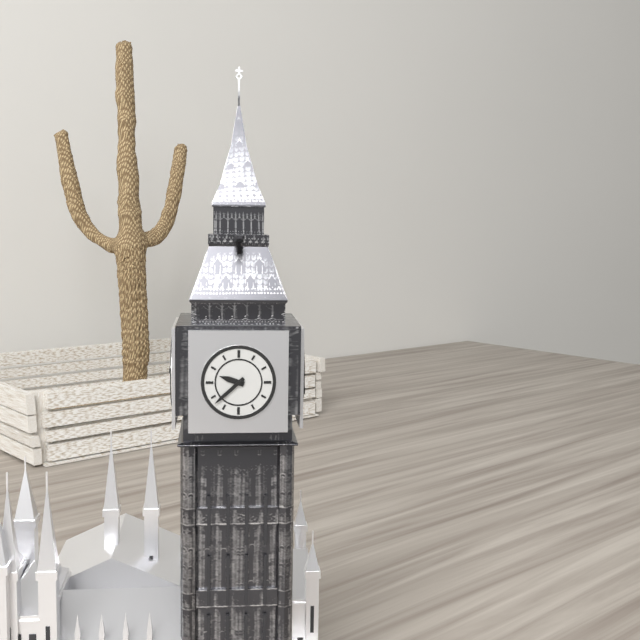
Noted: {"hour": 9, "minute": 38}
